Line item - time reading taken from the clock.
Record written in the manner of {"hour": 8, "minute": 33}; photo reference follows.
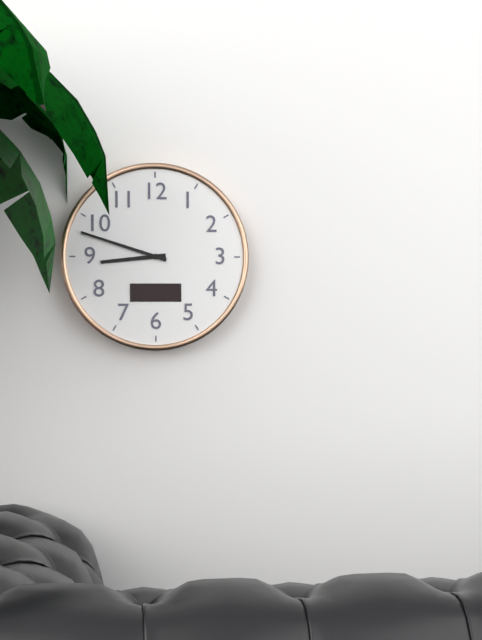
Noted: {"hour": 8, "minute": 48}
